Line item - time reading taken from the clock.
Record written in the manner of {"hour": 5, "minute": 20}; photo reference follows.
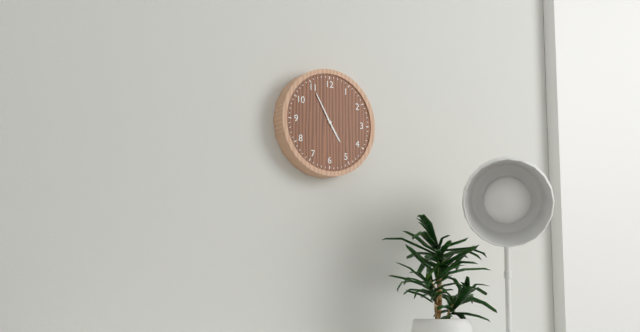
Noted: {"hour": 4, "minute": 55}
